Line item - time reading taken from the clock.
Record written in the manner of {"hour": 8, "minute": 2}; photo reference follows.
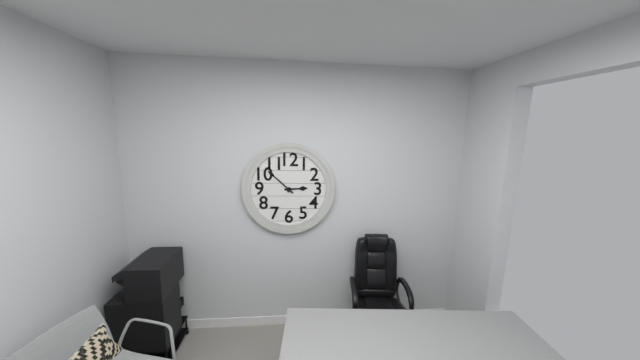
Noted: {"hour": 2, "minute": 52}
